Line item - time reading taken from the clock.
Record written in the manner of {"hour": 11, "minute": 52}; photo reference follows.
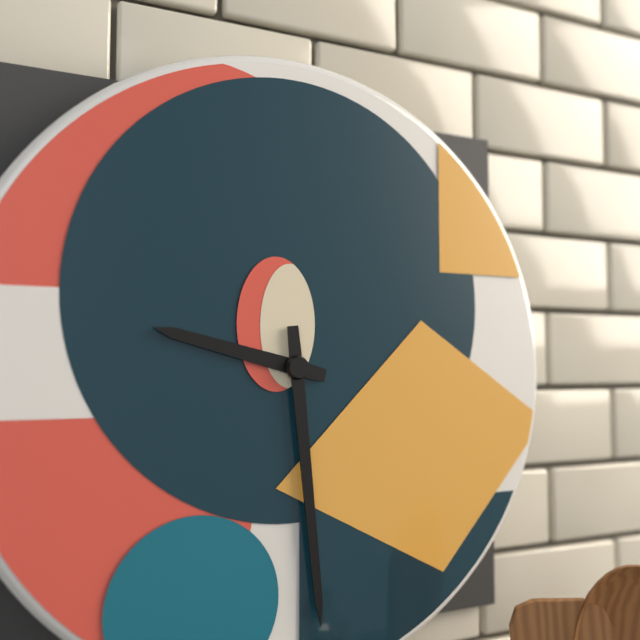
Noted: {"hour": 9, "minute": 29}
